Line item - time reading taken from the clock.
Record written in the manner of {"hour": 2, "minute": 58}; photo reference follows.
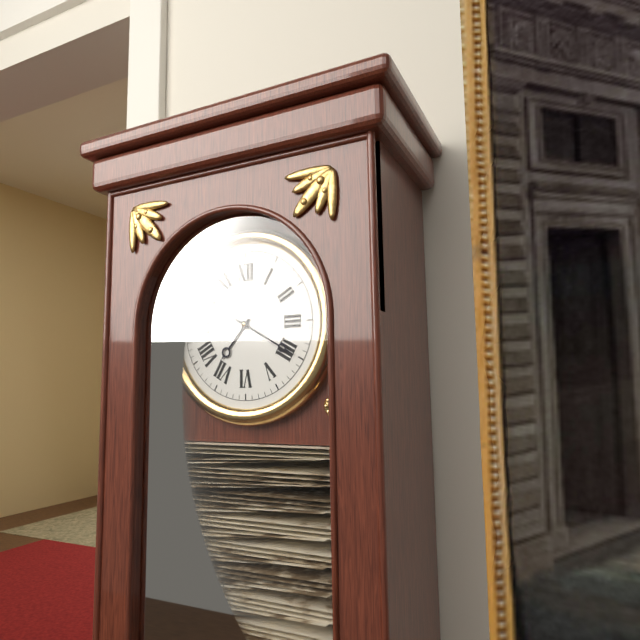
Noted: {"hour": 7, "minute": 20}
